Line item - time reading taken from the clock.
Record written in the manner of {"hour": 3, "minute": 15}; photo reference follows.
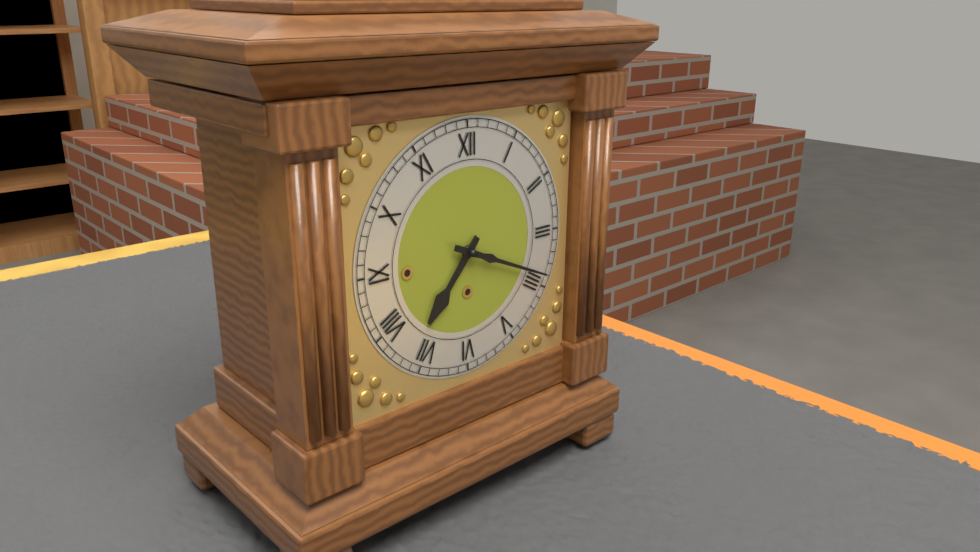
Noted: {"hour": 7, "minute": 19}
